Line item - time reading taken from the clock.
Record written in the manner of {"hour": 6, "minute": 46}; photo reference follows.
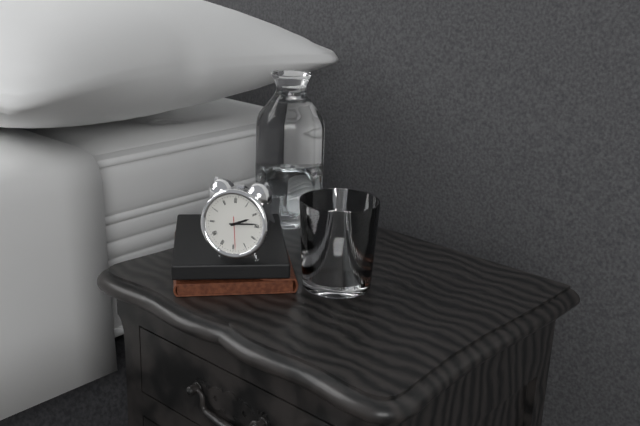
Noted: {"hour": 2, "minute": 14}
